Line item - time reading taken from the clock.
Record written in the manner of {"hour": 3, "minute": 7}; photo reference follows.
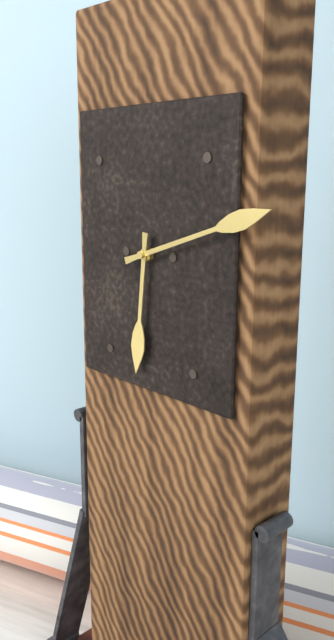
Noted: {"hour": 6, "minute": 12}
